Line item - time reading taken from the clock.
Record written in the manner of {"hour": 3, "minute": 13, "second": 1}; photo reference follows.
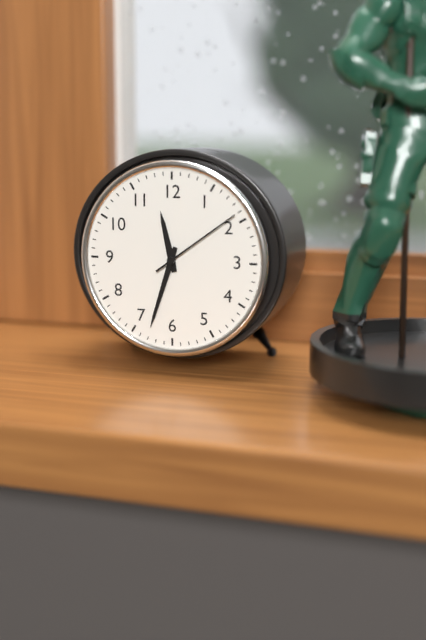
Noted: {"hour": 11, "minute": 33, "second": 9}
